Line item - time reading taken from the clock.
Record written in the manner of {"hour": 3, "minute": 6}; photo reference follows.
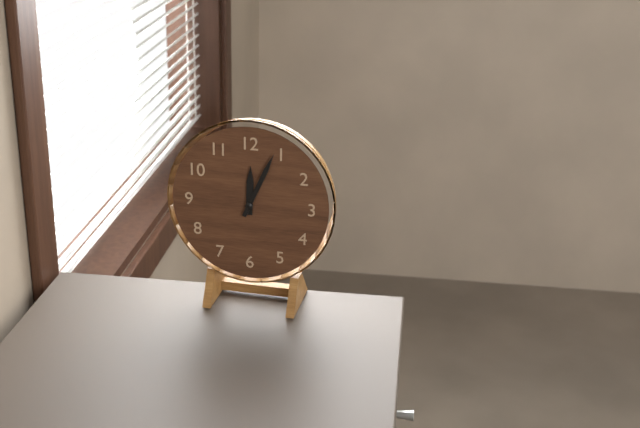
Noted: {"hour": 12, "minute": 4}
